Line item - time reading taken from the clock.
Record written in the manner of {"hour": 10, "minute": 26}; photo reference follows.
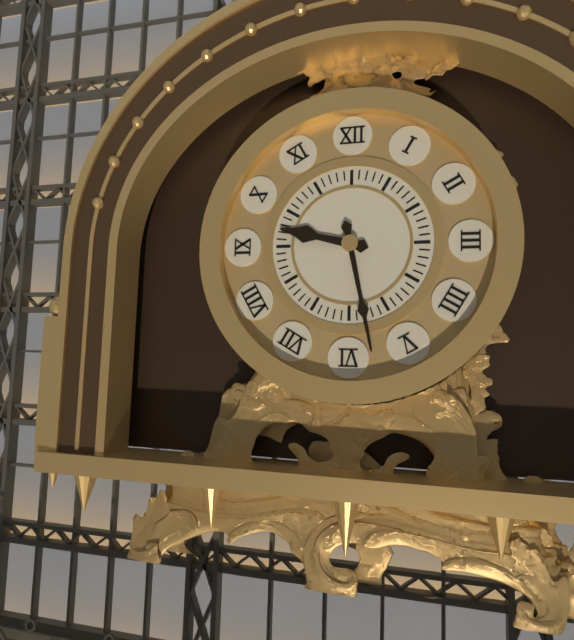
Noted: {"hour": 9, "minute": 28}
